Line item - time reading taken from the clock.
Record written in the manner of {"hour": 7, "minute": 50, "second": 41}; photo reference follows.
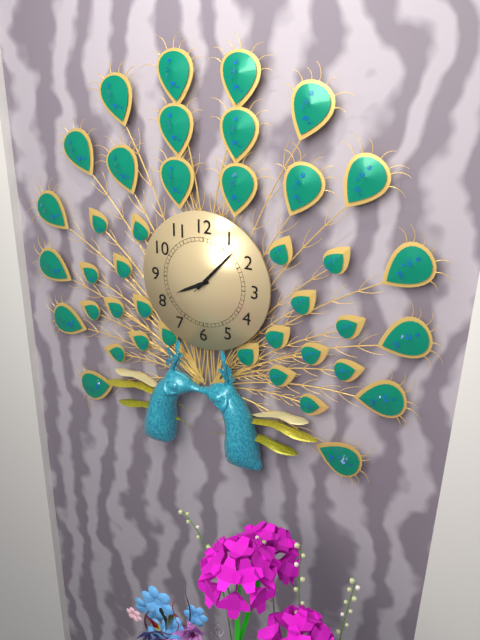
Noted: {"hour": 8, "minute": 7, "second": 7}
